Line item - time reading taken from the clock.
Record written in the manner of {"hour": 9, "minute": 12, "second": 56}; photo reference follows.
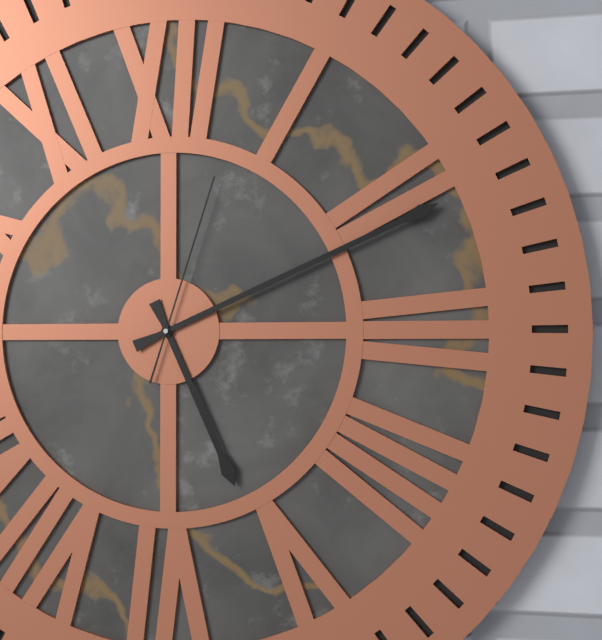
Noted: {"hour": 5, "minute": 11, "second": 3}
